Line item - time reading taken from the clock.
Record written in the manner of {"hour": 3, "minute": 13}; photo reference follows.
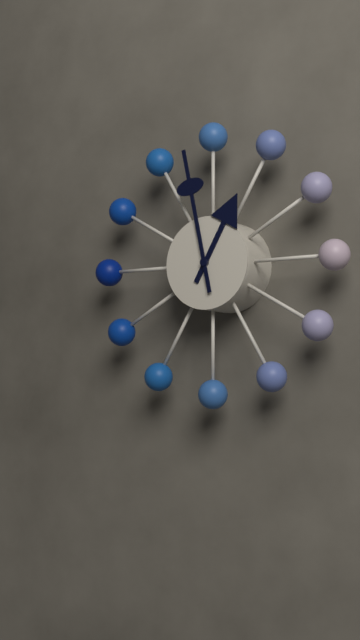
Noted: {"hour": 12, "minute": 58}
